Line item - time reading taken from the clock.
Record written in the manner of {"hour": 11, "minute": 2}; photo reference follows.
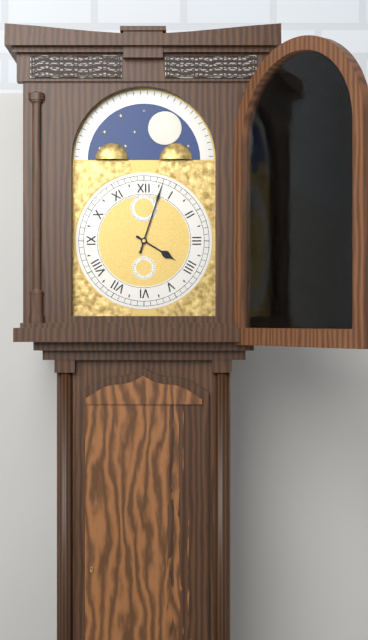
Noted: {"hour": 4, "minute": 3}
